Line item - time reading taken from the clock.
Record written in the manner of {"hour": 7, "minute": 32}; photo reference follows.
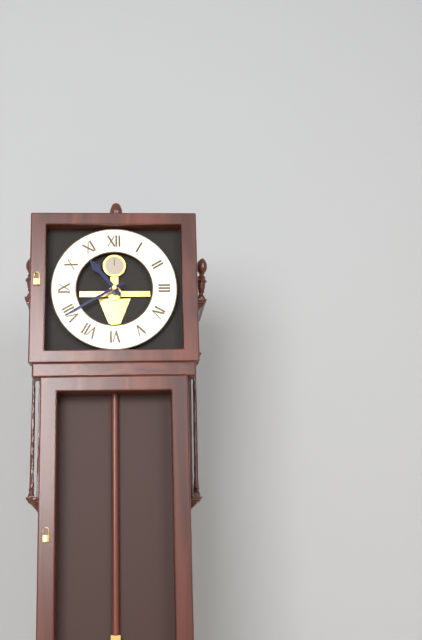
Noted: {"hour": 10, "minute": 40}
